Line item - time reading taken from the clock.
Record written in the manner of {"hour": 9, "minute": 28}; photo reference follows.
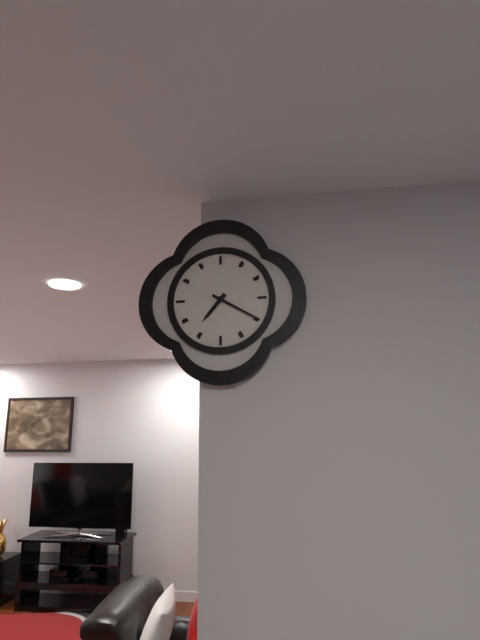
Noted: {"hour": 7, "minute": 20}
